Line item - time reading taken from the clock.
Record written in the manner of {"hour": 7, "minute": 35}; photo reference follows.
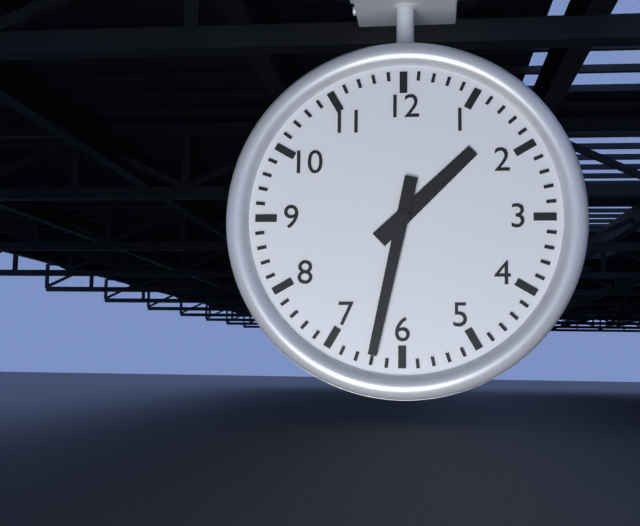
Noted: {"hour": 1, "minute": 32}
